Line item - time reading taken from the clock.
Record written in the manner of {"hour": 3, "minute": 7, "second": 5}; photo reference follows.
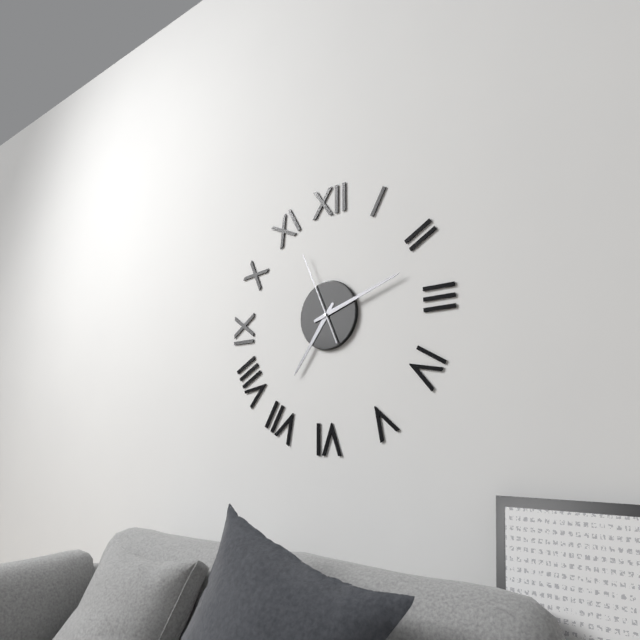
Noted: {"hour": 7, "minute": 12, "second": 56}
